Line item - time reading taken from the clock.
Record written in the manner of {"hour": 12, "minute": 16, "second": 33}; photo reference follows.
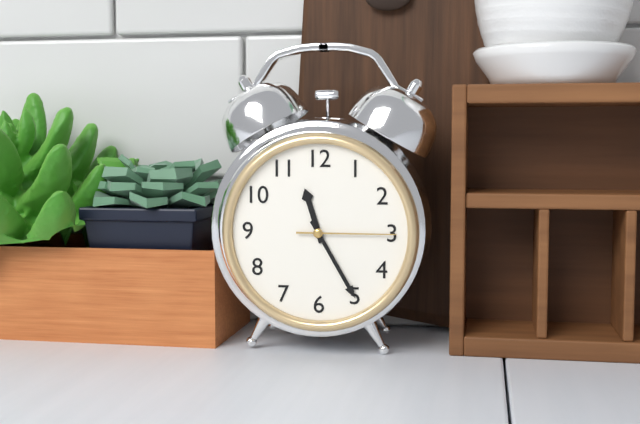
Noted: {"hour": 11, "minute": 25, "second": 15}
